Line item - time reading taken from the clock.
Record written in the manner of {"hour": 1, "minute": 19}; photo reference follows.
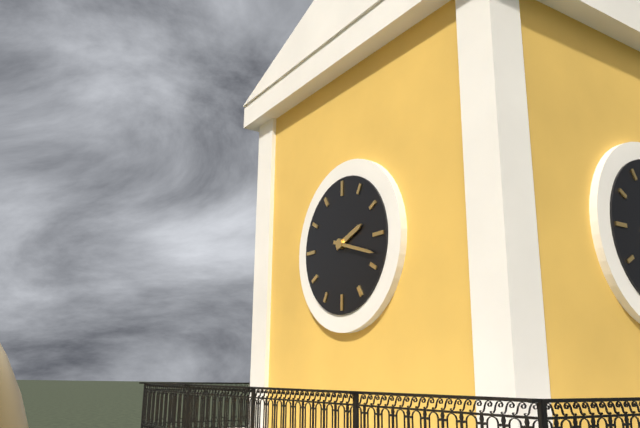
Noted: {"hour": 2, "minute": 18}
